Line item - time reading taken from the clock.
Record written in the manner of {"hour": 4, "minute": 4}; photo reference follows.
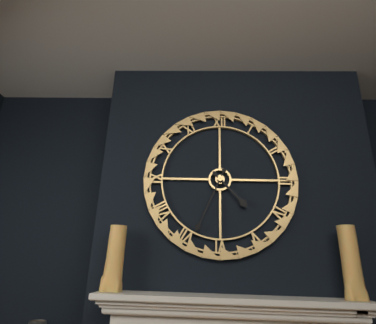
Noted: {"hour": 4, "minute": 34}
